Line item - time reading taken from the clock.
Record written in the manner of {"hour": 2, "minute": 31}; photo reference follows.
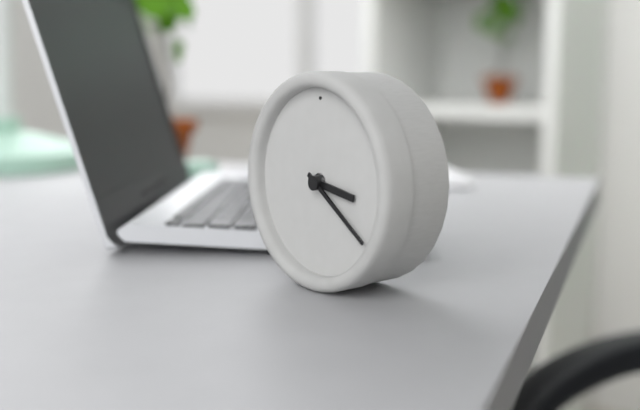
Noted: {"hour": 3, "minute": 21}
